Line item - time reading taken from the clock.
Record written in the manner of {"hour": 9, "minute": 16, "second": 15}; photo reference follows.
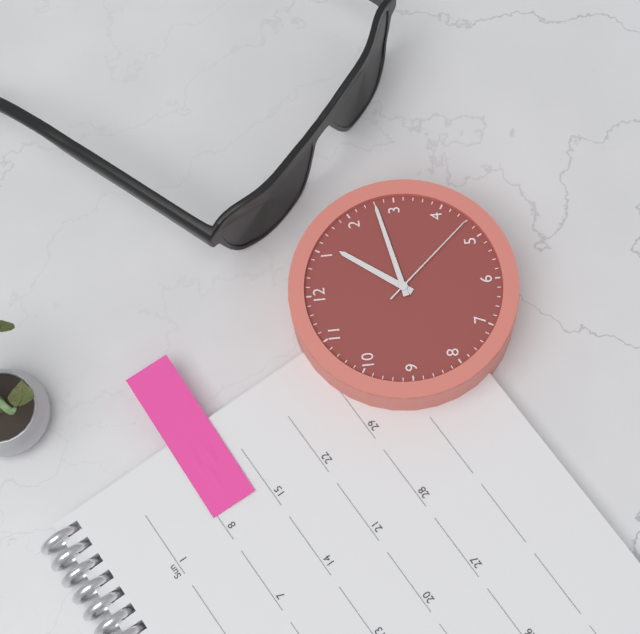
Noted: {"hour": 1, "minute": 13, "second": 23}
